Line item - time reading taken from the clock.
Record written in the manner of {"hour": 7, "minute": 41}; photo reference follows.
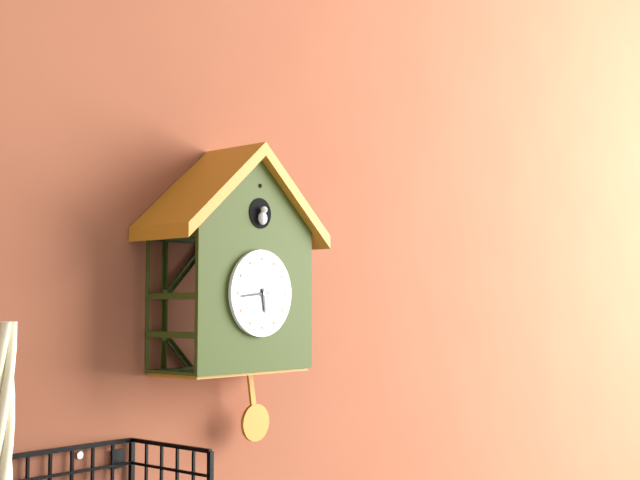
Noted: {"hour": 5, "minute": 44}
